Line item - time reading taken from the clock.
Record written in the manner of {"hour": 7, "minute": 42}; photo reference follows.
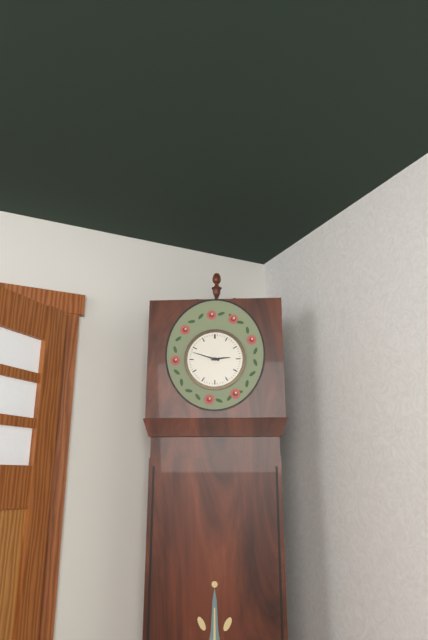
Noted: {"hour": 2, "minute": 48}
